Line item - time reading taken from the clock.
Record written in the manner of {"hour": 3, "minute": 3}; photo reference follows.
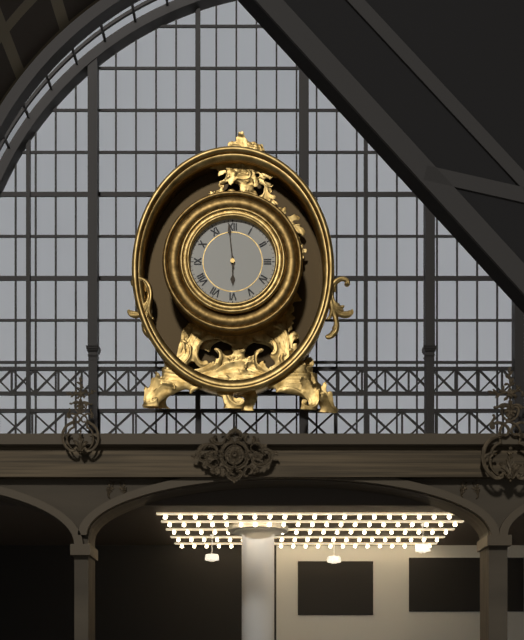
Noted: {"hour": 5, "minute": 59}
